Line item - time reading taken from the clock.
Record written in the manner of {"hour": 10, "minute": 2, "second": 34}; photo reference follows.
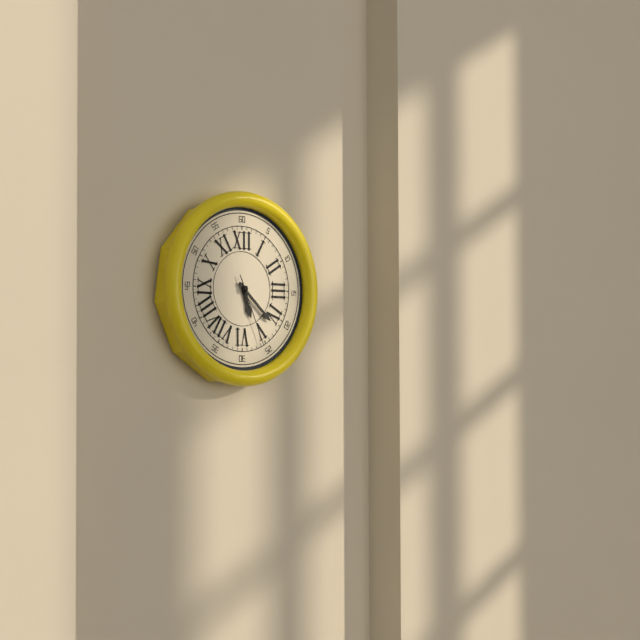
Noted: {"hour": 5, "minute": 22, "second": 26}
